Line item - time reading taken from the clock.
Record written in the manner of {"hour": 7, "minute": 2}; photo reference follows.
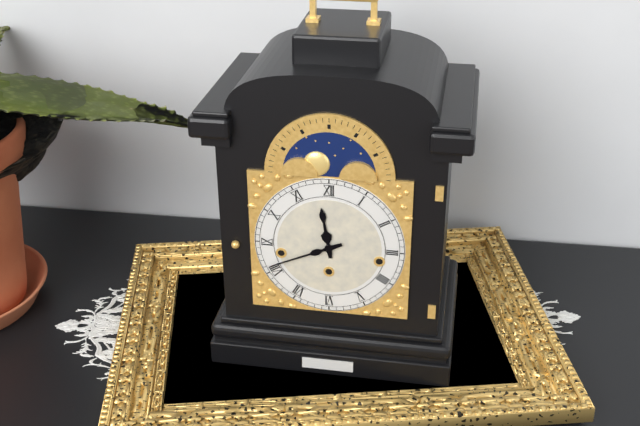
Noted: {"hour": 11, "minute": 41}
